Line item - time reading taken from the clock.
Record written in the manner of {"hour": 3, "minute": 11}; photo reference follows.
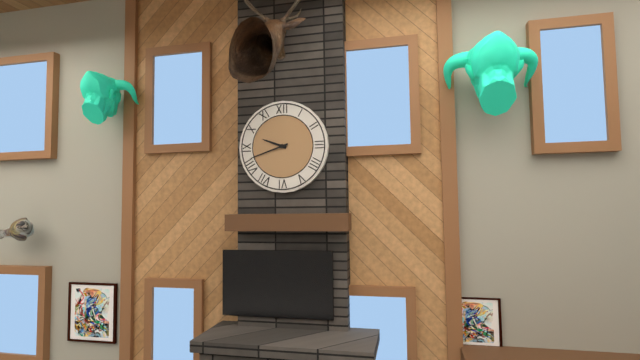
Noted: {"hour": 9, "minute": 42}
